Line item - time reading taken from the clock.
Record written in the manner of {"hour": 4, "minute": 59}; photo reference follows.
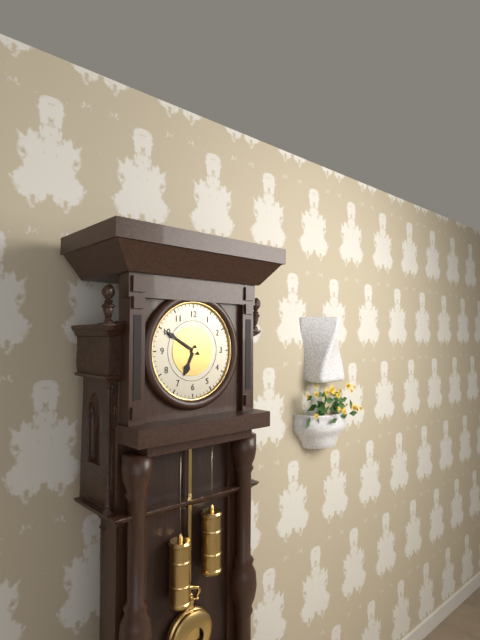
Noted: {"hour": 6, "minute": 50}
